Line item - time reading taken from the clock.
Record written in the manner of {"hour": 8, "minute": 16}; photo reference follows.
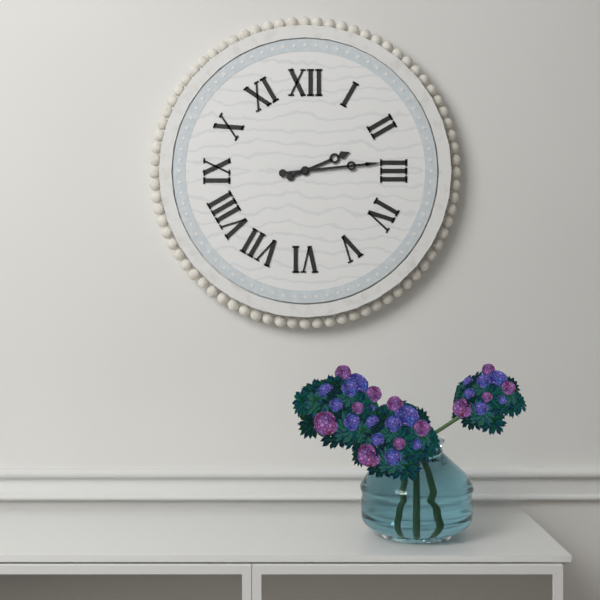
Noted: {"hour": 2, "minute": 14}
